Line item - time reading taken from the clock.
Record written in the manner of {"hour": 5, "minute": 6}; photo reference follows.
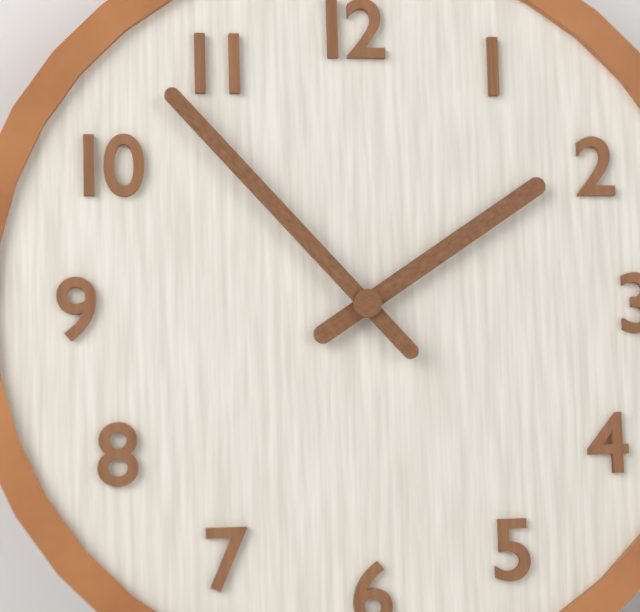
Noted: {"hour": 1, "minute": 53}
